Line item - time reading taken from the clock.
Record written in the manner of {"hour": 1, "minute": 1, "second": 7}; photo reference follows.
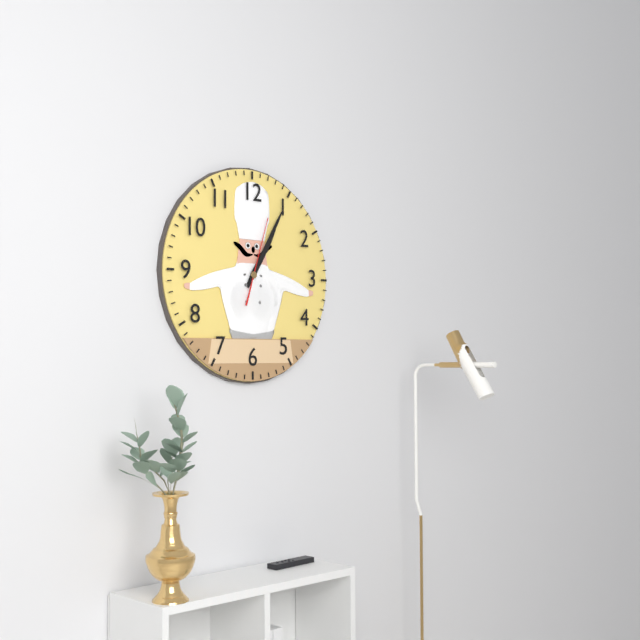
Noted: {"hour": 1, "minute": 5, "second": 3}
